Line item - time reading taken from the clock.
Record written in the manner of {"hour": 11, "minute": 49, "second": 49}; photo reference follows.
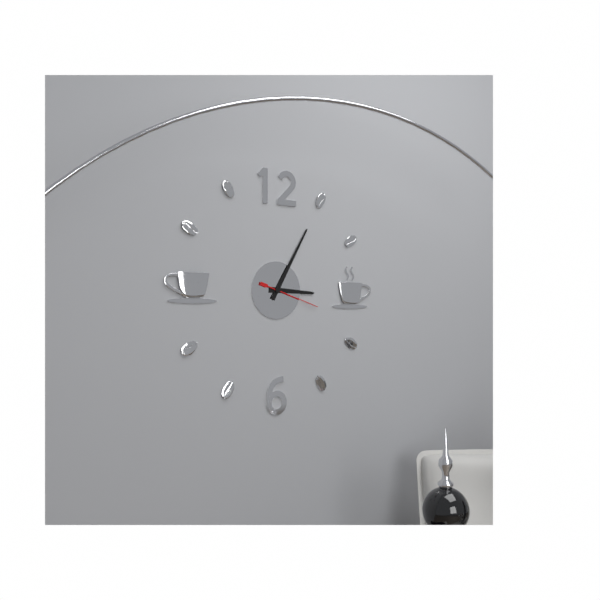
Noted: {"hour": 3, "minute": 5, "second": 18}
